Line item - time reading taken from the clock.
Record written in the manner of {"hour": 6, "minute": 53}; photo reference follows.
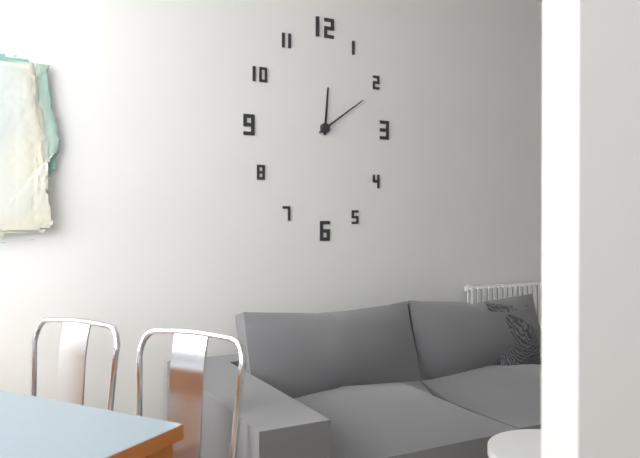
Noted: {"hour": 12, "minute": 9}
